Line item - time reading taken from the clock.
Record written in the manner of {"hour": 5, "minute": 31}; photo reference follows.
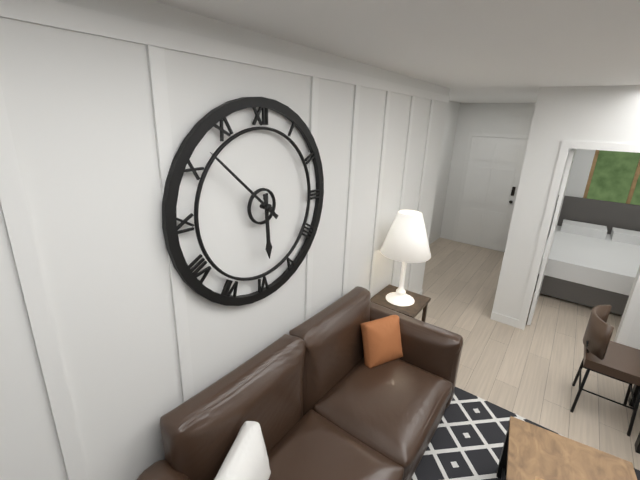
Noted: {"hour": 5, "minute": 52}
